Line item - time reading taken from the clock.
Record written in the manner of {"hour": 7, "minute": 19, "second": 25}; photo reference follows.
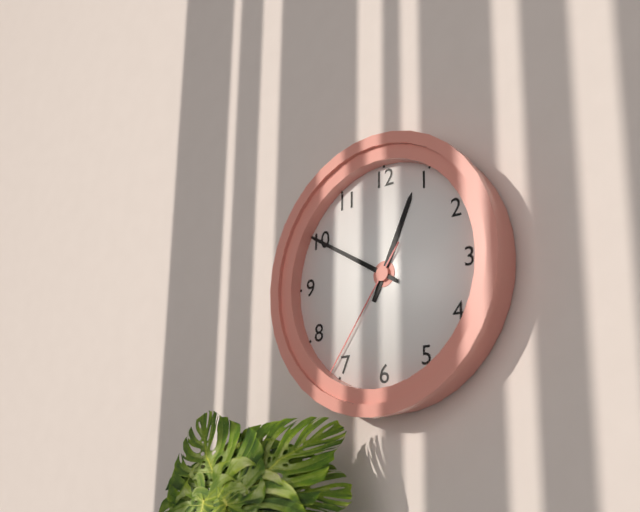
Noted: {"hour": 12, "minute": 50, "second": 36}
